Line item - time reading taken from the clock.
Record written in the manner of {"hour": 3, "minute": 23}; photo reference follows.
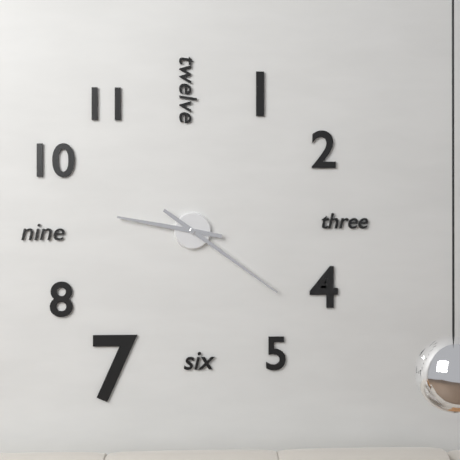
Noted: {"hour": 9, "minute": 21}
